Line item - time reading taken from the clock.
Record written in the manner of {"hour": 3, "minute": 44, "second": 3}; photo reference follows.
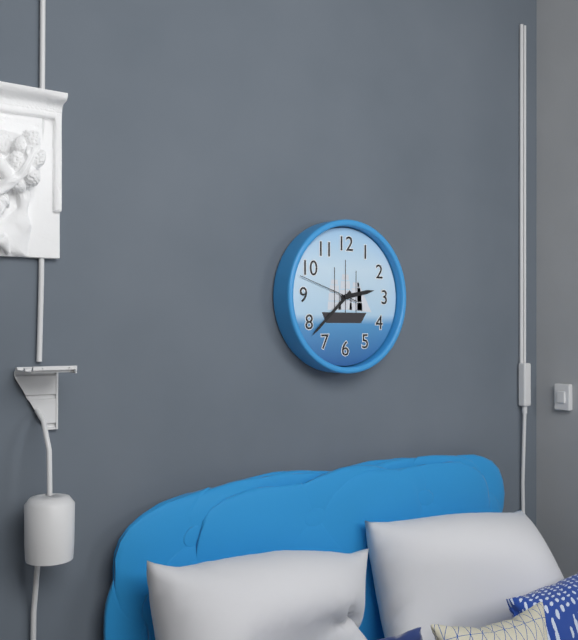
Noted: {"hour": 2, "minute": 38, "second": 48}
